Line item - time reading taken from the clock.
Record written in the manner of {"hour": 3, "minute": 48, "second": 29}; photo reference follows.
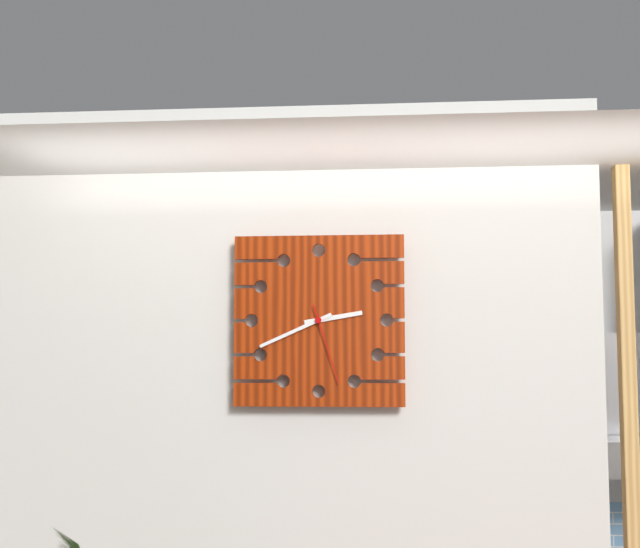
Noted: {"hour": 2, "minute": 41, "second": 27}
